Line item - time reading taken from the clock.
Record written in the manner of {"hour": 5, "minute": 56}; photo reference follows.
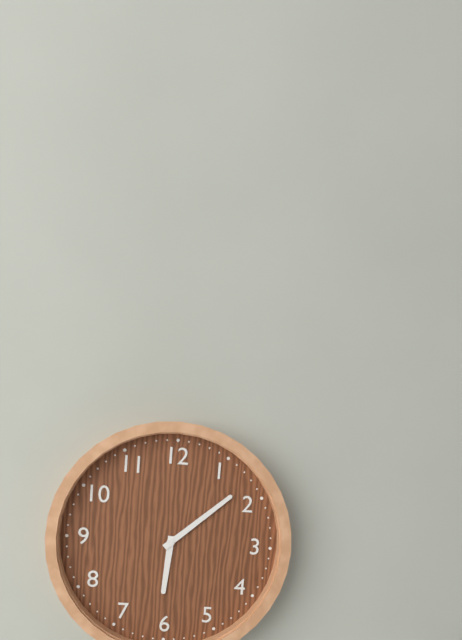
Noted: {"hour": 6, "minute": 8}
